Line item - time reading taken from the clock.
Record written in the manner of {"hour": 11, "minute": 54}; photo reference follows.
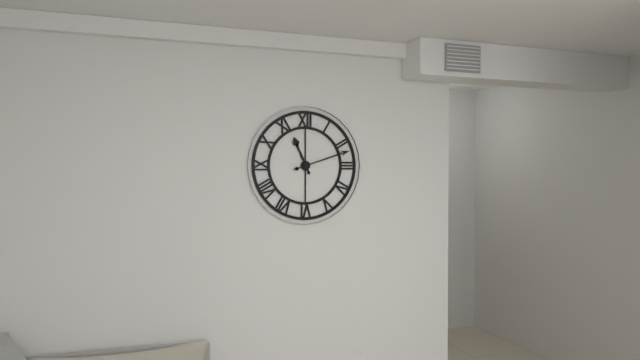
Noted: {"hour": 11, "minute": 12}
